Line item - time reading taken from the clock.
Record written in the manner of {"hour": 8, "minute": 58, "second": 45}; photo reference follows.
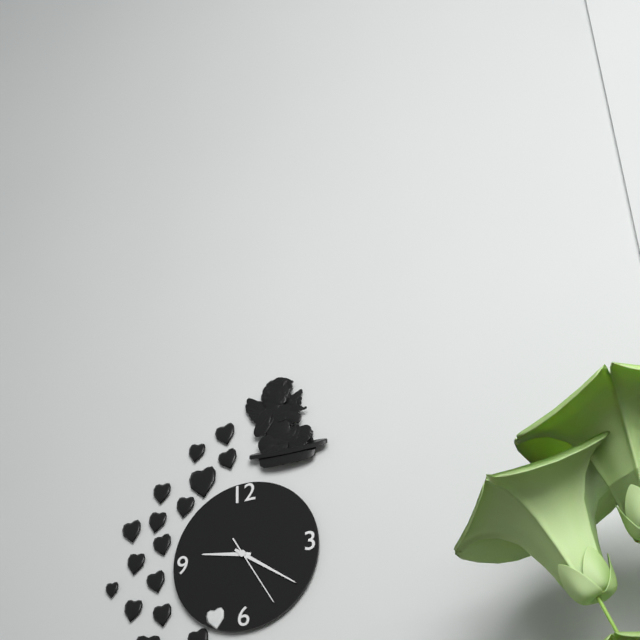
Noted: {"hour": 9, "minute": 21, "second": 25}
